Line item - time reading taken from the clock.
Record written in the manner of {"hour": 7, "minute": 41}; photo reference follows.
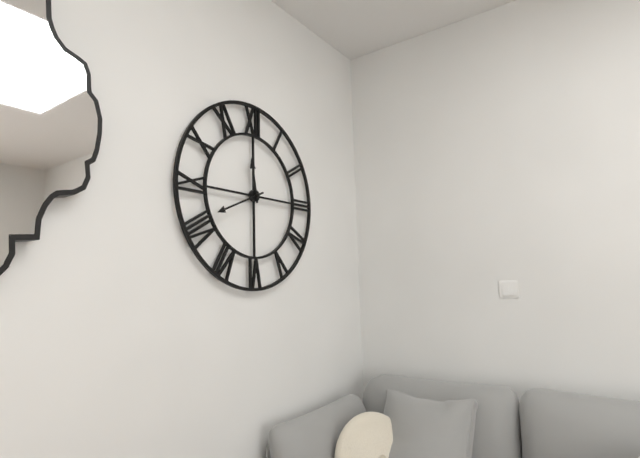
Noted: {"hour": 11, "minute": 41}
